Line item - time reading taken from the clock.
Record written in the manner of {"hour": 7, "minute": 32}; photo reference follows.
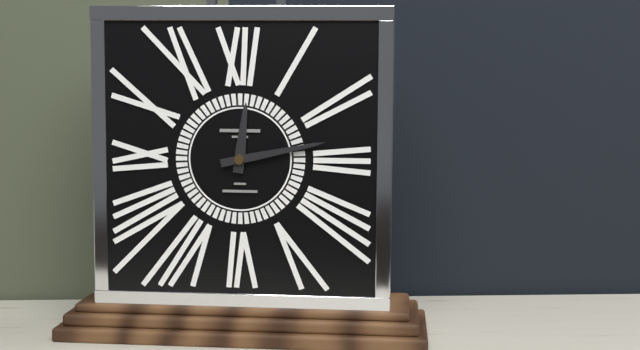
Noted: {"hour": 12, "minute": 13}
